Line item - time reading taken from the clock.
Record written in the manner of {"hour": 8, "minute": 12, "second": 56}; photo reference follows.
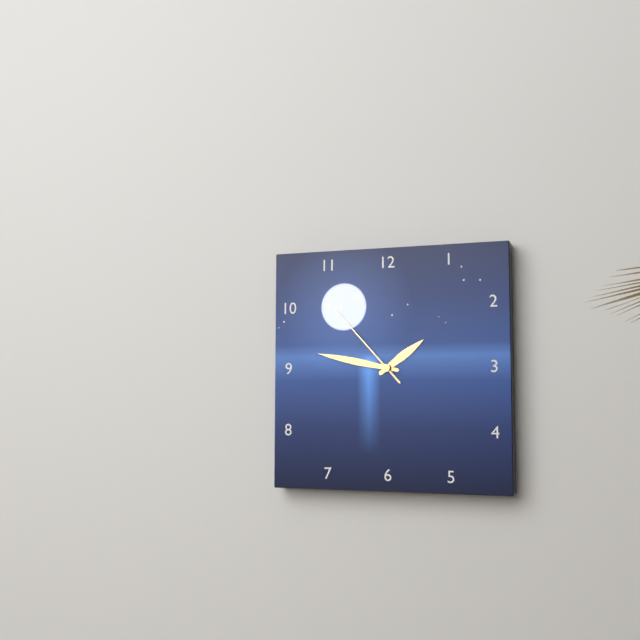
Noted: {"hour": 1, "minute": 47, "second": 53}
